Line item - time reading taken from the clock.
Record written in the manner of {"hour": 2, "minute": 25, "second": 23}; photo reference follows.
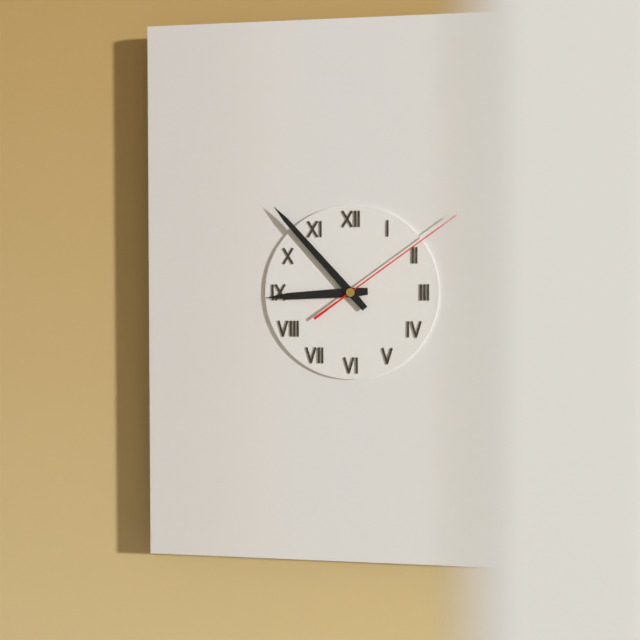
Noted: {"hour": 8, "minute": 53, "second": 9}
